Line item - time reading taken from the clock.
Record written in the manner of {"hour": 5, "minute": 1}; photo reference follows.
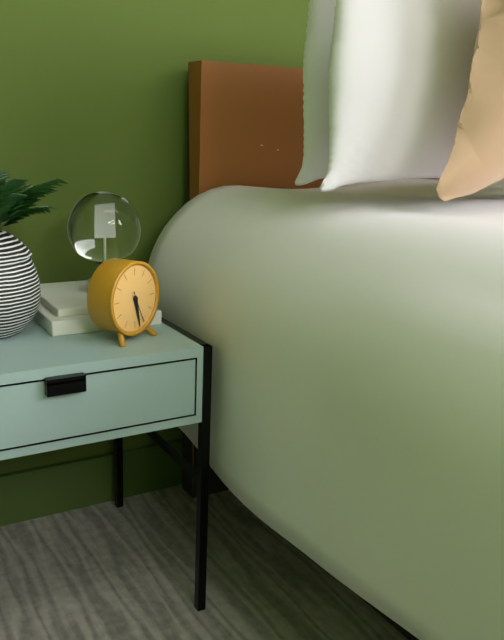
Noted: {"hour": 5, "minute": 28}
